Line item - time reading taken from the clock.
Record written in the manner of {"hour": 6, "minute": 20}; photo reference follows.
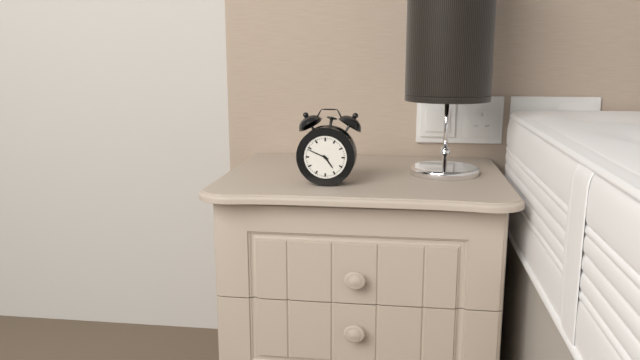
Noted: {"hour": 4, "minute": 49}
